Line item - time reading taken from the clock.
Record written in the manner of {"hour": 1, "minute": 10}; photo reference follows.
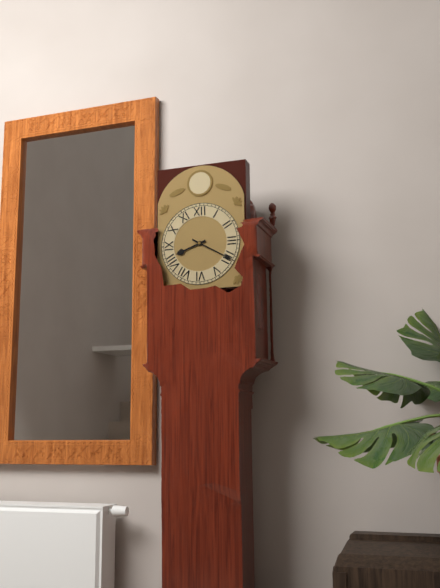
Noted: {"hour": 8, "minute": 20}
